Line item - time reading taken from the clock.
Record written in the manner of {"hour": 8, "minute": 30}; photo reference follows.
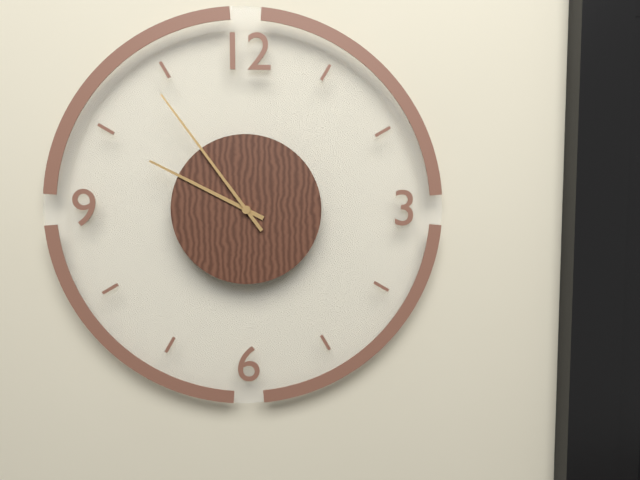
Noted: {"hour": 9, "minute": 54}
